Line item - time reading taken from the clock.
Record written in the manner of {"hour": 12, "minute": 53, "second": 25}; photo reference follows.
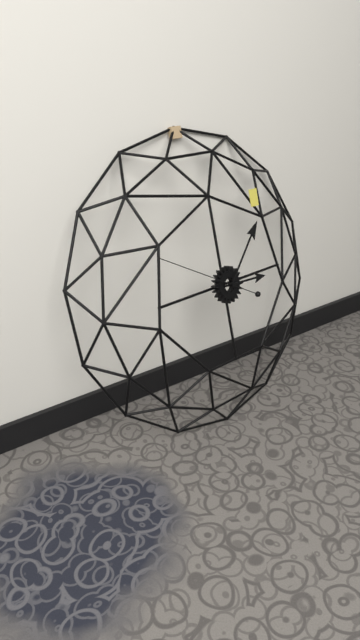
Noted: {"hour": 3, "minute": 7, "second": 50}
